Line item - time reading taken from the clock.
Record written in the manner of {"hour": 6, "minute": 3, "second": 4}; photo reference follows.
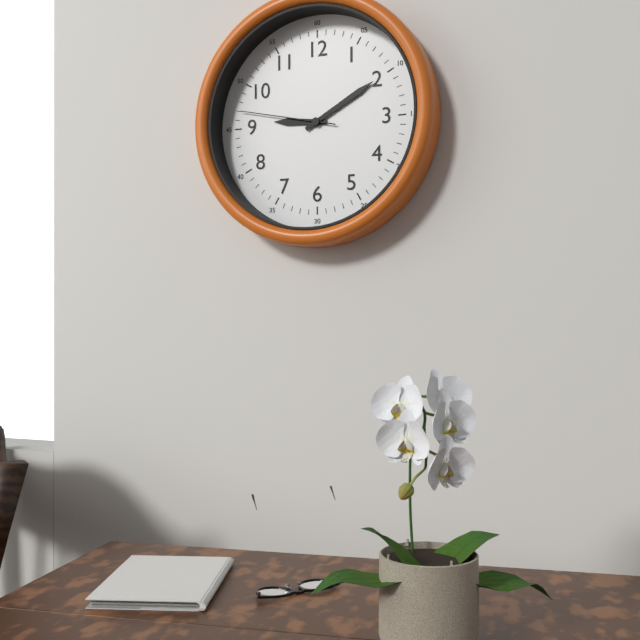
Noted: {"hour": 9, "minute": 10, "second": 47}
